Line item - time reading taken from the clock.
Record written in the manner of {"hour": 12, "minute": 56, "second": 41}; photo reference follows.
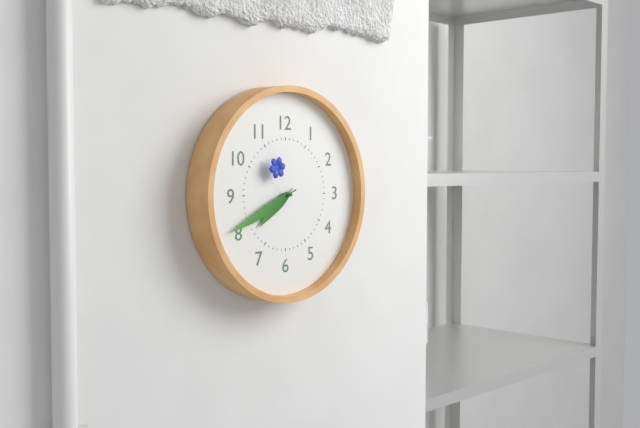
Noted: {"hour": 7, "minute": 41, "second": 54}
